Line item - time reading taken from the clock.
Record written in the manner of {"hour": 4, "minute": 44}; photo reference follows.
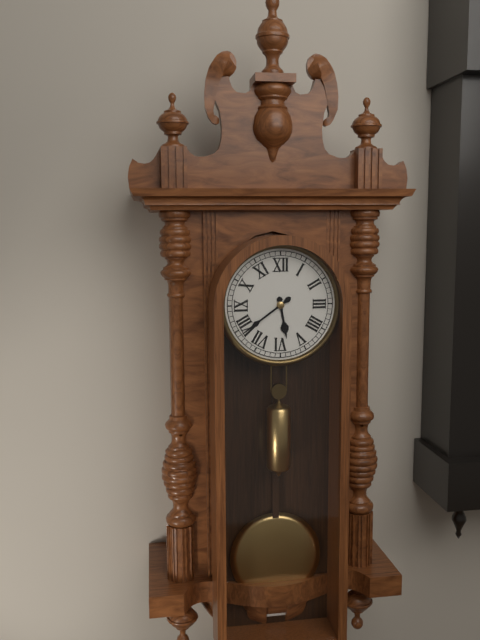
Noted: {"hour": 5, "minute": 39}
